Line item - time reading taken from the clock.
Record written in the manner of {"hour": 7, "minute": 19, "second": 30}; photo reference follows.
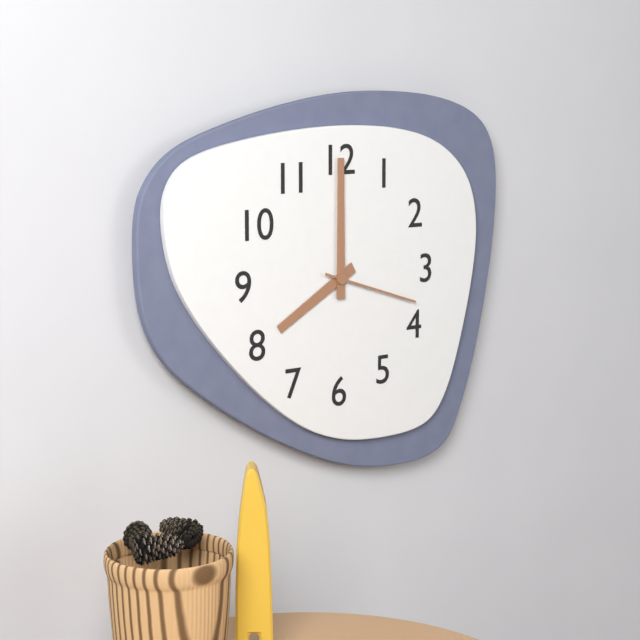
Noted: {"hour": 8, "minute": 0, "second": 18}
